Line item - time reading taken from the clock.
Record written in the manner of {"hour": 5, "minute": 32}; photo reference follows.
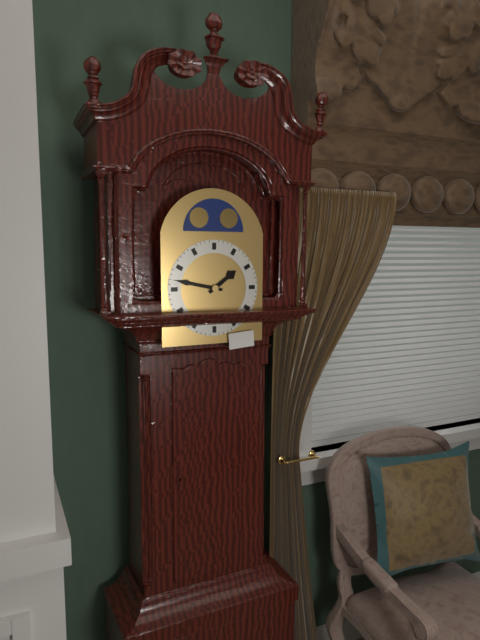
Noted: {"hour": 1, "minute": 47}
